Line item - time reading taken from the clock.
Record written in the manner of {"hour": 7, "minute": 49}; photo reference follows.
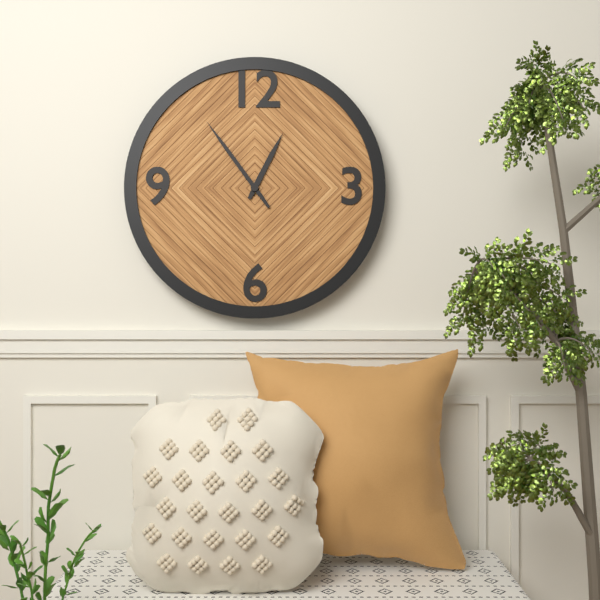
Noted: {"hour": 12, "minute": 54}
